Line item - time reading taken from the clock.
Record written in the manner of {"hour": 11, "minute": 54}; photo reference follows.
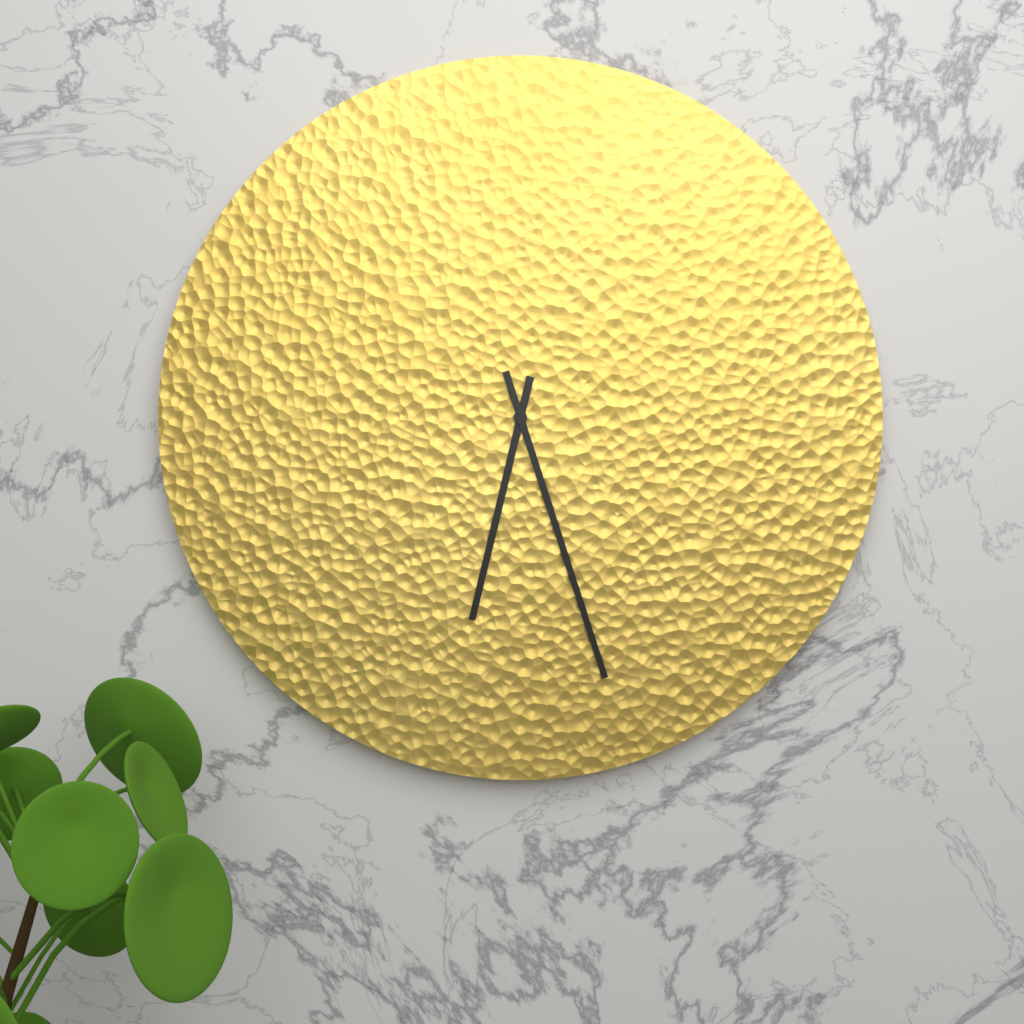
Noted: {"hour": 6, "minute": 27}
